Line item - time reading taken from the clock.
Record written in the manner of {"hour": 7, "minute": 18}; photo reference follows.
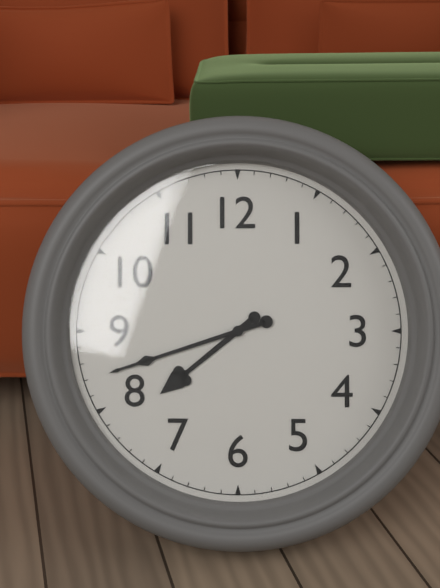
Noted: {"hour": 7, "minute": 42}
